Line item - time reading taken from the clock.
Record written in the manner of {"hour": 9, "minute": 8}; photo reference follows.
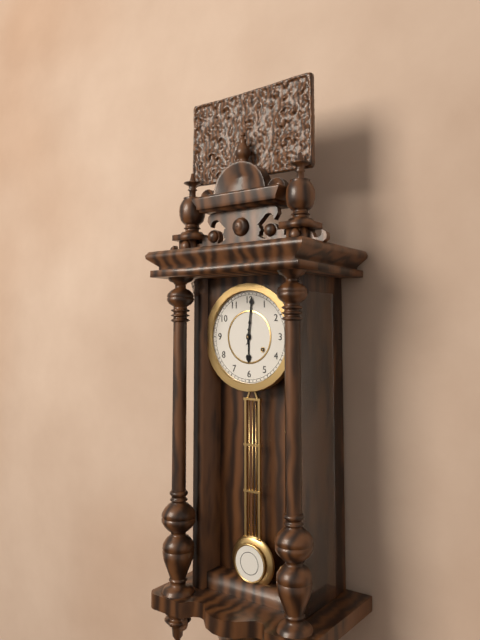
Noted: {"hour": 6, "minute": 1}
